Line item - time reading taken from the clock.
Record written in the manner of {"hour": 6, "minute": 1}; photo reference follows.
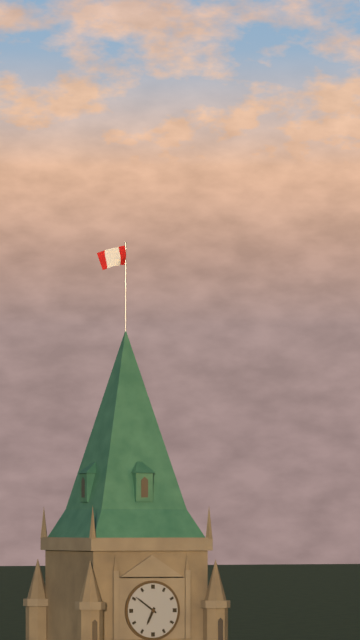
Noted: {"hour": 6, "minute": 51}
